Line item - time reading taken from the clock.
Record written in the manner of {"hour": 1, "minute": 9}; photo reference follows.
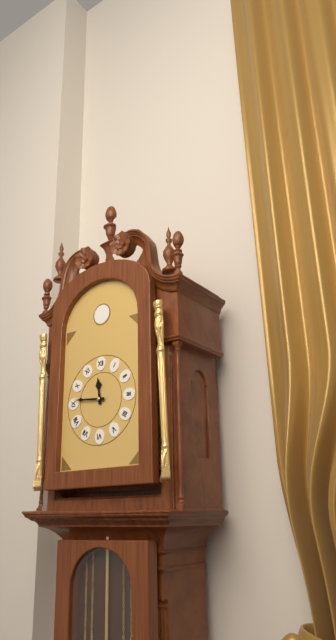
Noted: {"hour": 11, "minute": 46}
